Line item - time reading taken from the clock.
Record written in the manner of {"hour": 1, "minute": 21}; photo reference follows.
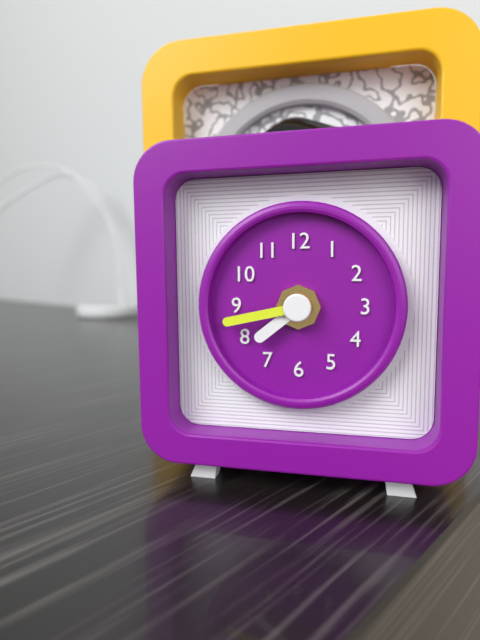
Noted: {"hour": 7, "minute": 43}
